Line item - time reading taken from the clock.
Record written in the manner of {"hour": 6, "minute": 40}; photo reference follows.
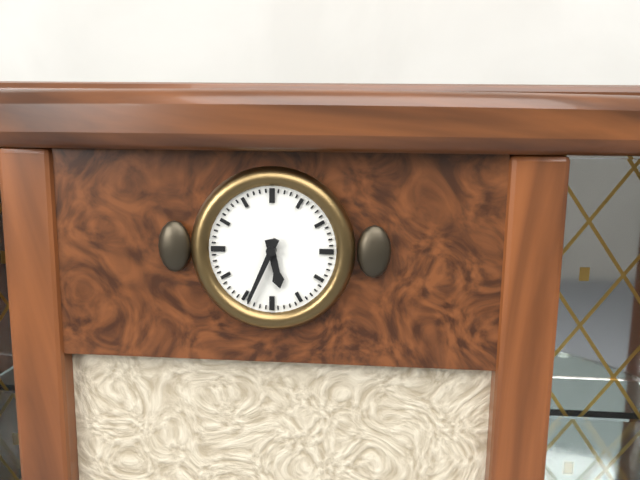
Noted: {"hour": 5, "minute": 34}
